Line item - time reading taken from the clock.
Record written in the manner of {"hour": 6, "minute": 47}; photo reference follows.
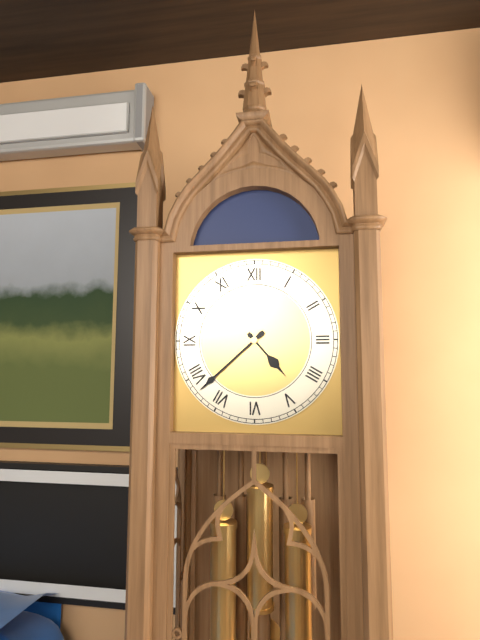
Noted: {"hour": 4, "minute": 38}
